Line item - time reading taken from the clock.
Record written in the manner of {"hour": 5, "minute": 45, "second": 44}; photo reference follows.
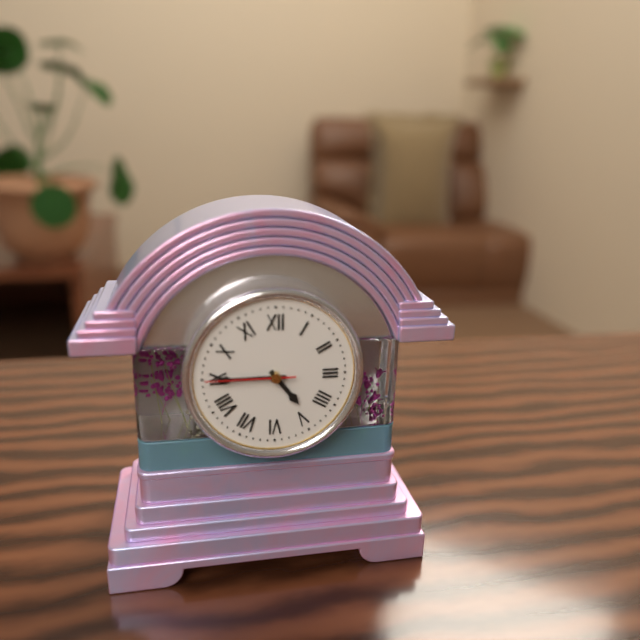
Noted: {"hour": 4, "minute": 45, "second": 45}
